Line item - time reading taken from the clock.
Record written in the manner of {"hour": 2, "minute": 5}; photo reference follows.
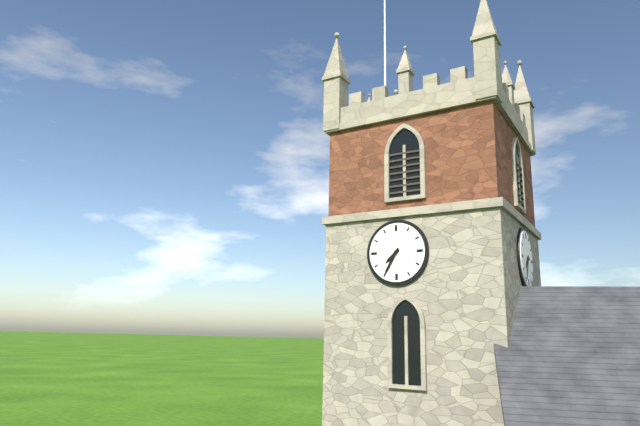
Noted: {"hour": 7, "minute": 35}
